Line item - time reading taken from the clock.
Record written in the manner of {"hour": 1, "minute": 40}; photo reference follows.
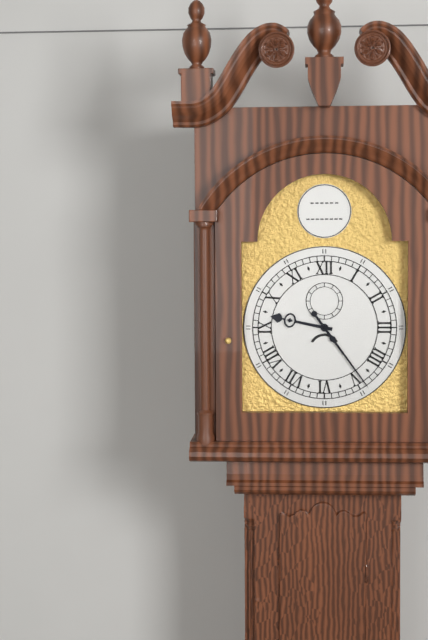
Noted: {"hour": 9, "minute": 24}
